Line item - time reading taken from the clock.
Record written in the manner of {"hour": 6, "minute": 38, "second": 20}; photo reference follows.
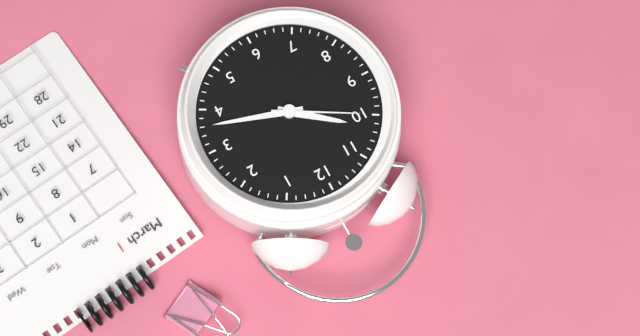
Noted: {"hour": 10, "minute": 18, "second": 50}
